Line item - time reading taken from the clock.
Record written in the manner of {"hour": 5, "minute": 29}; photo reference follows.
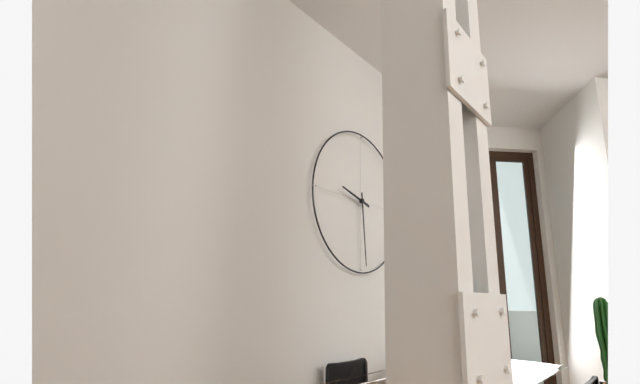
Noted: {"hour": 9, "minute": 29}
